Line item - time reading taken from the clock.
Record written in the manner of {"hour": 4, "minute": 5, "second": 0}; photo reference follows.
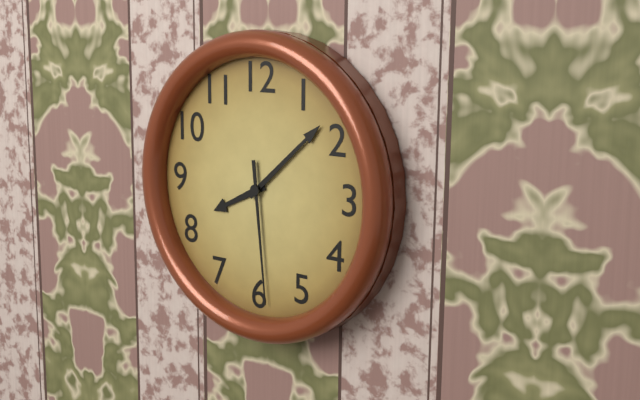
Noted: {"hour": 8, "minute": 8, "second": 29}
